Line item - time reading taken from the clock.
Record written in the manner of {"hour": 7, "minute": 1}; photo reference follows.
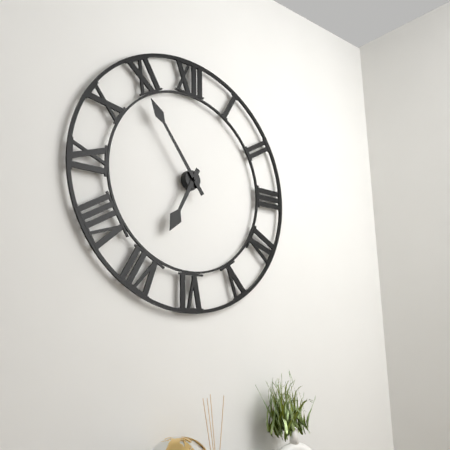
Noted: {"hour": 6, "minute": 54}
